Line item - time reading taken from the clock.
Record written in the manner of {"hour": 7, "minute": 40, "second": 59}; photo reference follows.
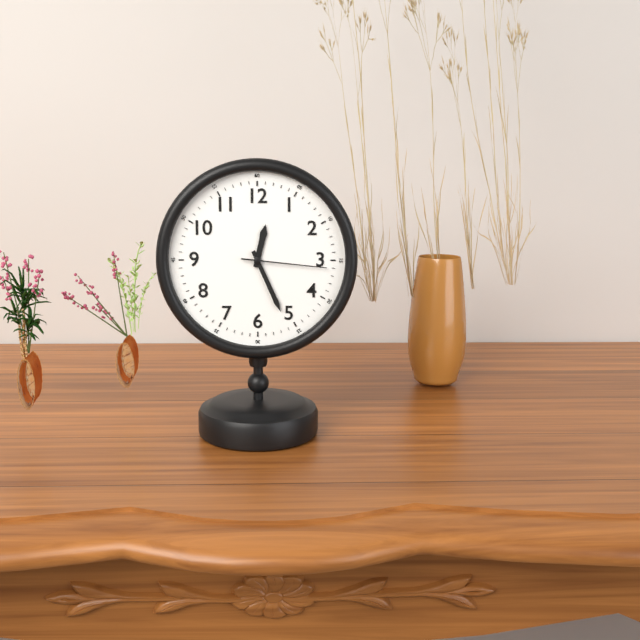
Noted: {"hour": 12, "minute": 26, "second": 16}
